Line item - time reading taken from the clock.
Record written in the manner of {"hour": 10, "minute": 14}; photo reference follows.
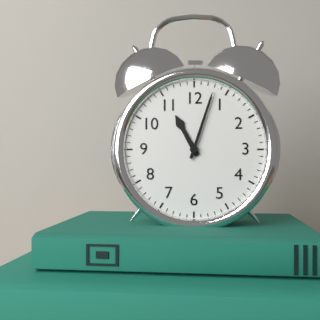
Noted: {"hour": 11, "minute": 3}
